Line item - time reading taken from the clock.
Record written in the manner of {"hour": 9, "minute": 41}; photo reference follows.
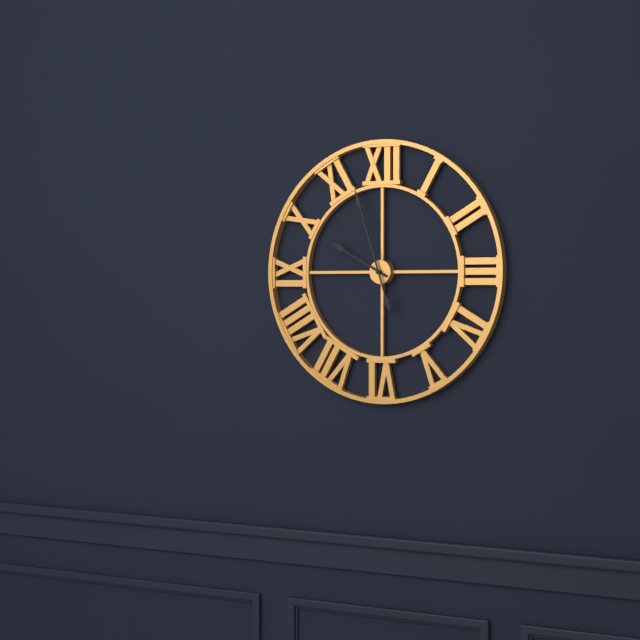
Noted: {"hour": 9, "minute": 57}
